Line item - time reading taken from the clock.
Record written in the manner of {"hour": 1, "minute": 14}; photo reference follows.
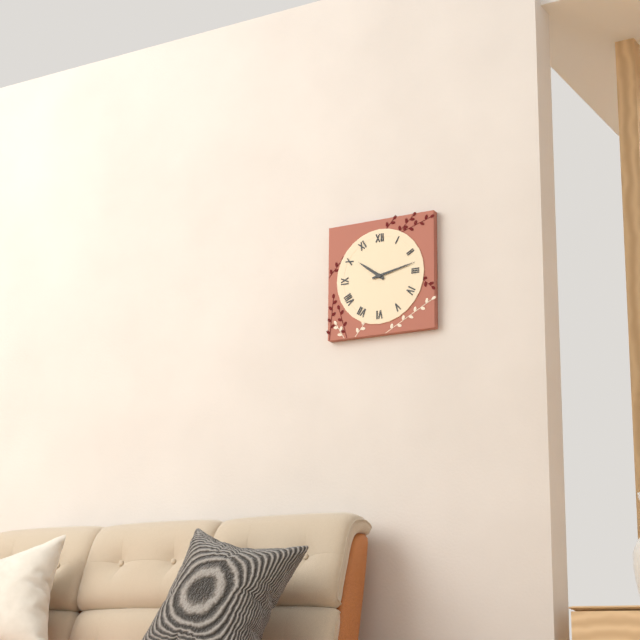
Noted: {"hour": 10, "minute": 13}
